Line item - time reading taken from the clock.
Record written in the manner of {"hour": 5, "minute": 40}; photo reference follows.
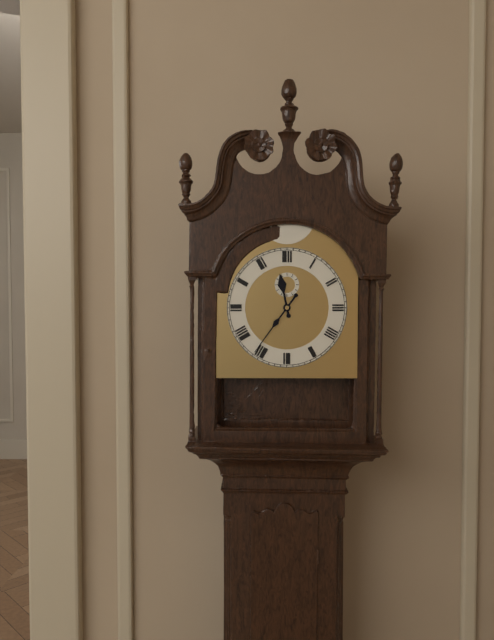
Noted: {"hour": 11, "minute": 36}
